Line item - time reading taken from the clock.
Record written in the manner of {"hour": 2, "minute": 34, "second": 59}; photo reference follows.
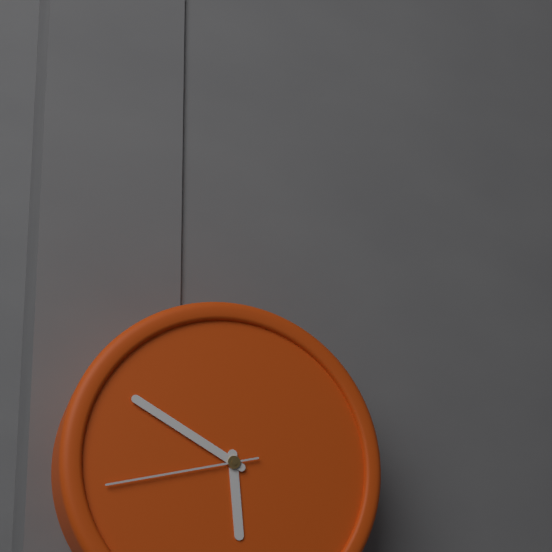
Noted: {"hour": 5, "minute": 50, "second": 43}
